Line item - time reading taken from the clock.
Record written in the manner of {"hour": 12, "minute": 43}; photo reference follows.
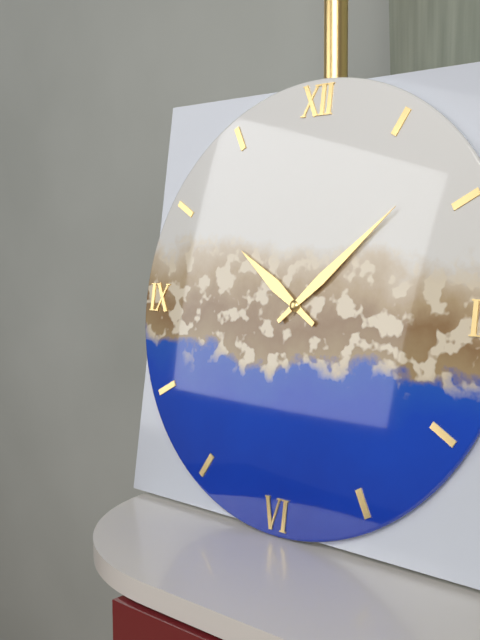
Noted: {"hour": 10, "minute": 8}
